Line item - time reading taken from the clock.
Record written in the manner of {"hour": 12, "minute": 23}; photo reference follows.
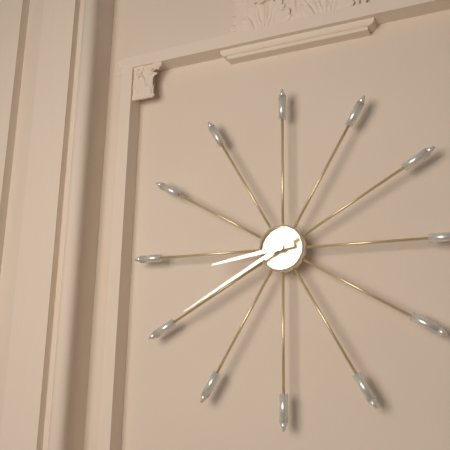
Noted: {"hour": 8, "minute": 40}
